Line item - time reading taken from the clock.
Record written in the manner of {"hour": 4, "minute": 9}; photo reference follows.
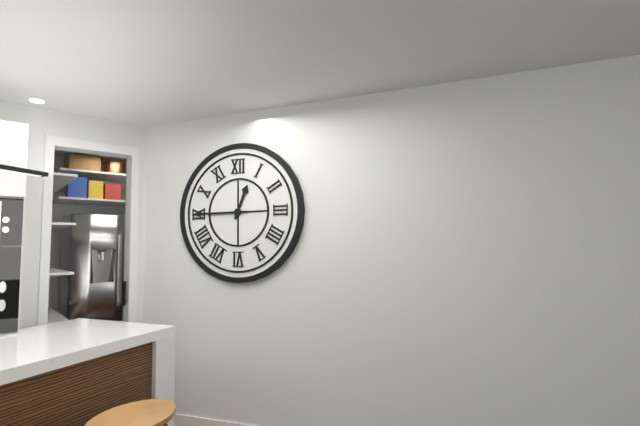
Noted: {"hour": 12, "minute": 45}
